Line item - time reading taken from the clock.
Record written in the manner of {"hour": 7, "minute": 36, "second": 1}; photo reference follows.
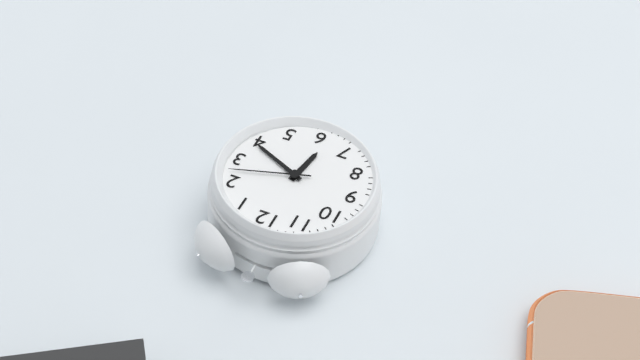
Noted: {"hour": 6, "minute": 19, "second": 12}
